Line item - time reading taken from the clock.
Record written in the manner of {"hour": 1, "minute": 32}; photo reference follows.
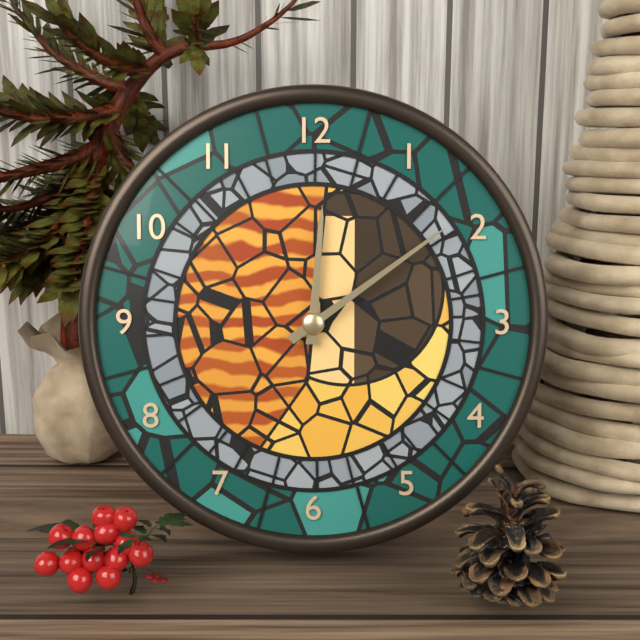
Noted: {"hour": 12, "minute": 9}
